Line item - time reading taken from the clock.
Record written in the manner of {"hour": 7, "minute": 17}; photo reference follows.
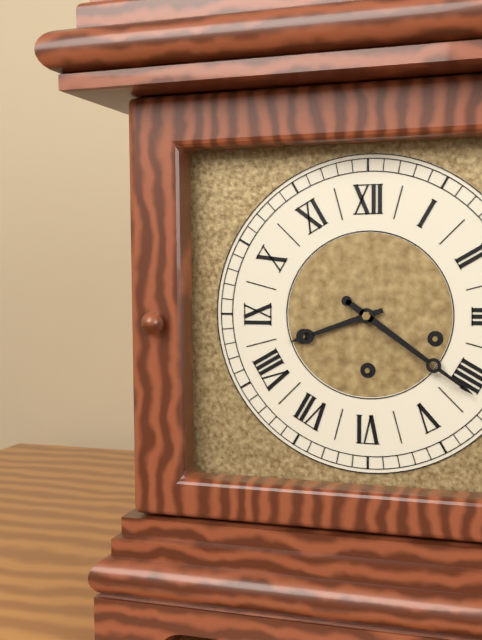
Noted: {"hour": 8, "minute": 21}
